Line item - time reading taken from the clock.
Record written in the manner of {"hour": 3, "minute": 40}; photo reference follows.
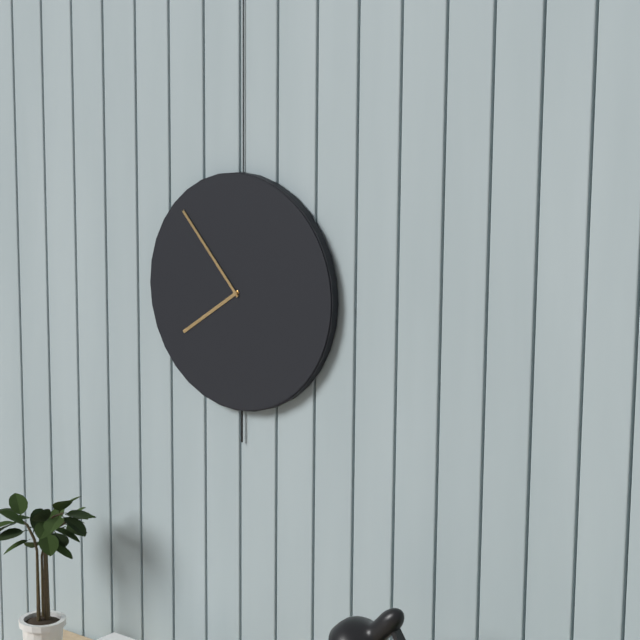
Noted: {"hour": 7, "minute": 53}
